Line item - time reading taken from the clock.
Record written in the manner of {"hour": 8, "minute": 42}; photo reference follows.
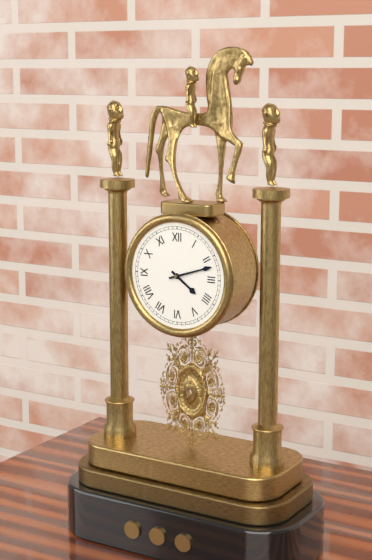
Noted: {"hour": 4, "minute": 12}
